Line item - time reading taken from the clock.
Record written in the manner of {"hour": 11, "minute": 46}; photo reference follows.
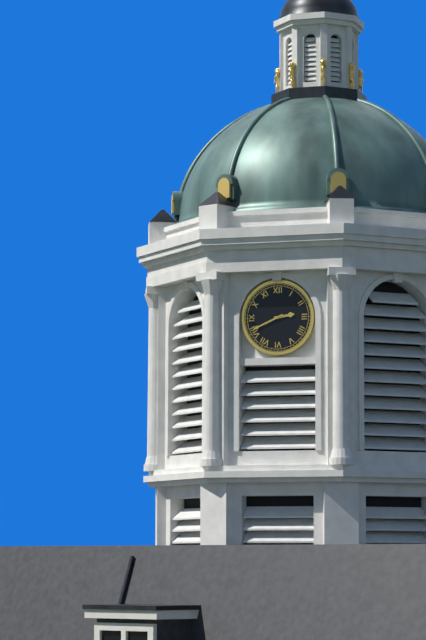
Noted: {"hour": 2, "minute": 41}
